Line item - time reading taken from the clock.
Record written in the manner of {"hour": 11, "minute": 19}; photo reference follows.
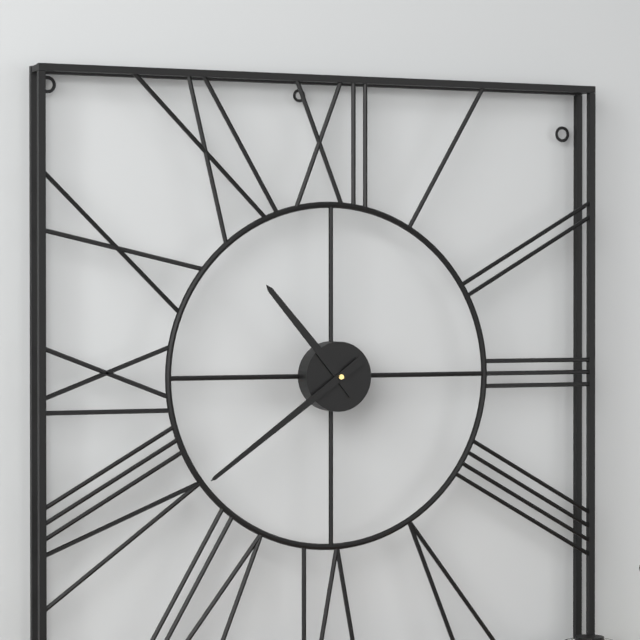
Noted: {"hour": 10, "minute": 39}
